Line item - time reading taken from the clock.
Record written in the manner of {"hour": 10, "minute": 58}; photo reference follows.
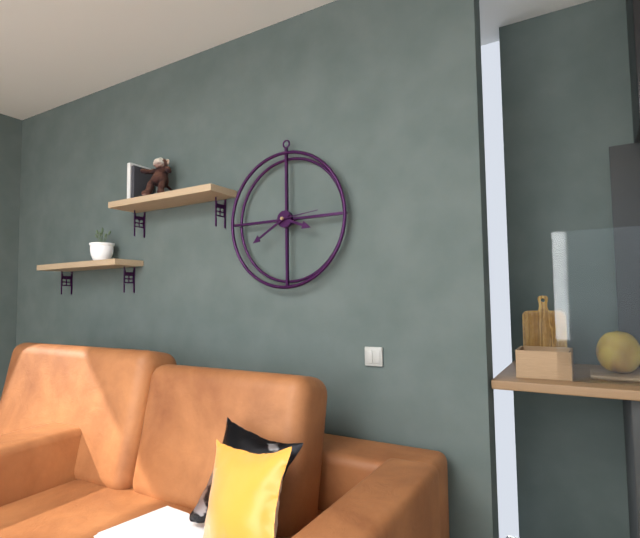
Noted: {"hour": 3, "minute": 40}
